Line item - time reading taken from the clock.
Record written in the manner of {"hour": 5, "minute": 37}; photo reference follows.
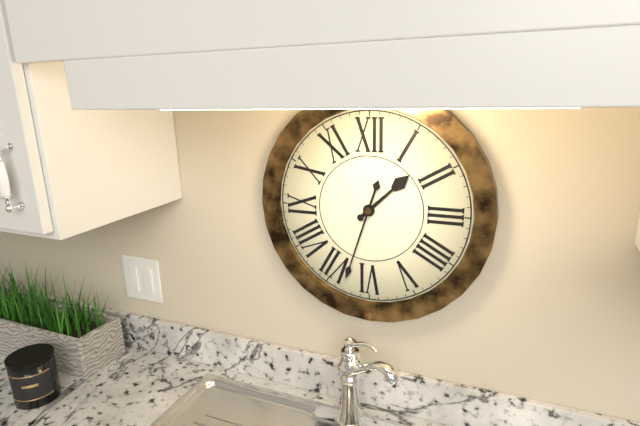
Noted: {"hour": 1, "minute": 33}
